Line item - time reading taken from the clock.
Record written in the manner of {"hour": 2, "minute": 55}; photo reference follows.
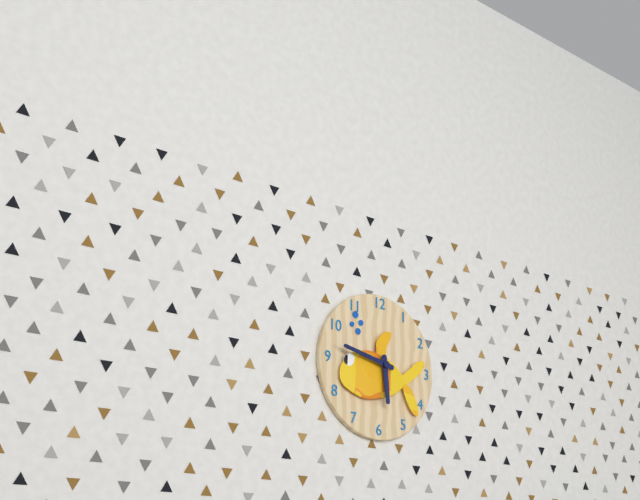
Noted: {"hour": 5, "minute": 47}
